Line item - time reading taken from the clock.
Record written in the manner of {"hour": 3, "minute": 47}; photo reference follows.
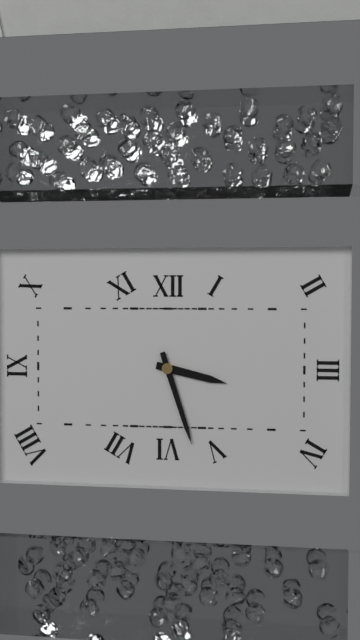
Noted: {"hour": 3, "minute": 27}
